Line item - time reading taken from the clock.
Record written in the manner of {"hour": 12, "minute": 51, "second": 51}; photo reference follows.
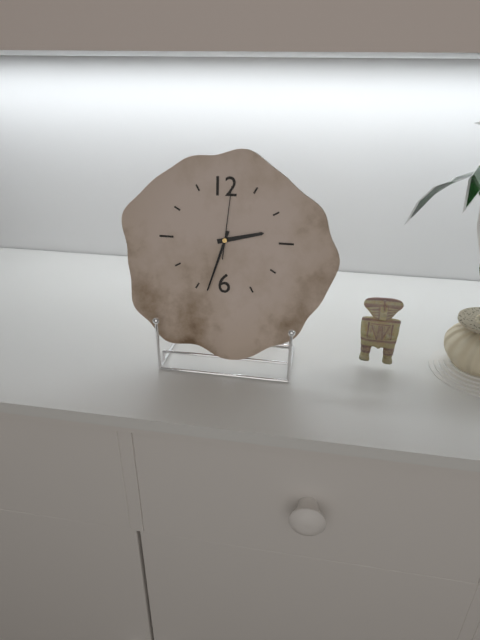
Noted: {"hour": 2, "minute": 33, "second": 1}
